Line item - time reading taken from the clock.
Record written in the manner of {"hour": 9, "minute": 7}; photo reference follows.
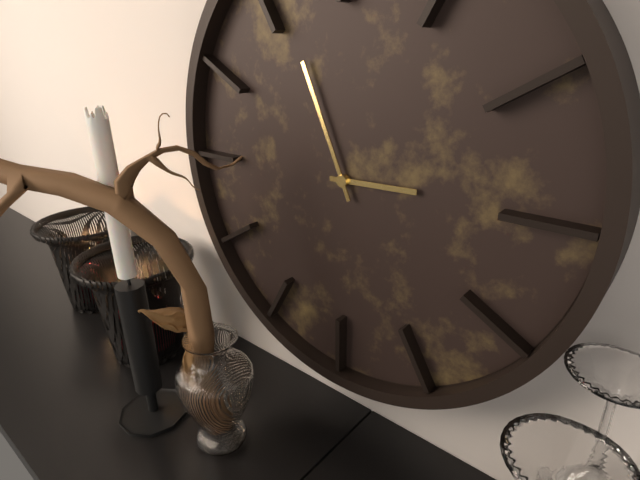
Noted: {"hour": 2, "minute": 56}
